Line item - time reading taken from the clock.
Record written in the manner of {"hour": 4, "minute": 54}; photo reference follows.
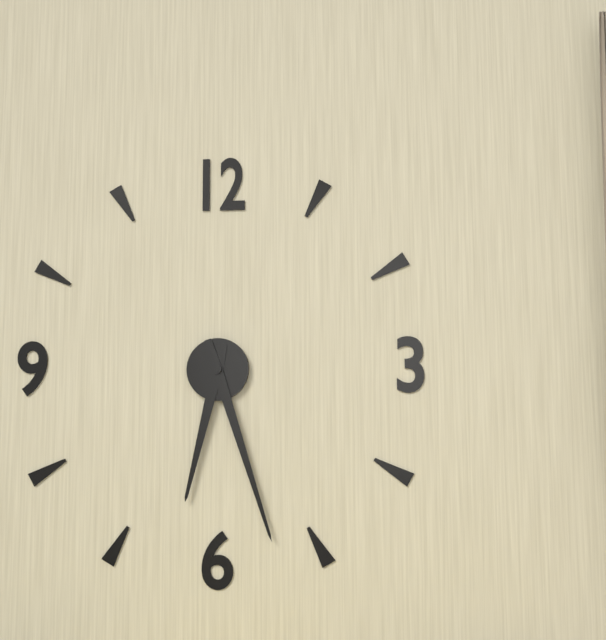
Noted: {"hour": 6, "minute": 27}
